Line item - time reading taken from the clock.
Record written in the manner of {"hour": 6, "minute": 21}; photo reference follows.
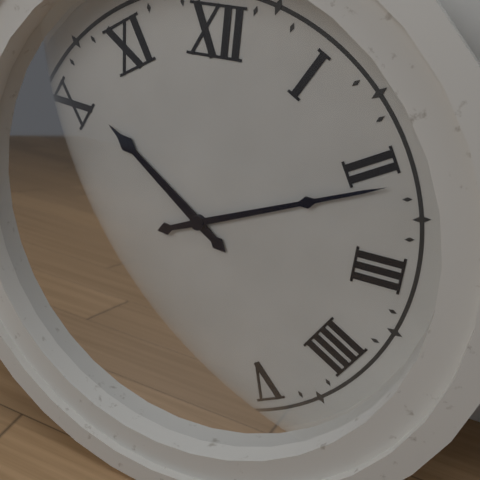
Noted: {"hour": 10, "minute": 11}
